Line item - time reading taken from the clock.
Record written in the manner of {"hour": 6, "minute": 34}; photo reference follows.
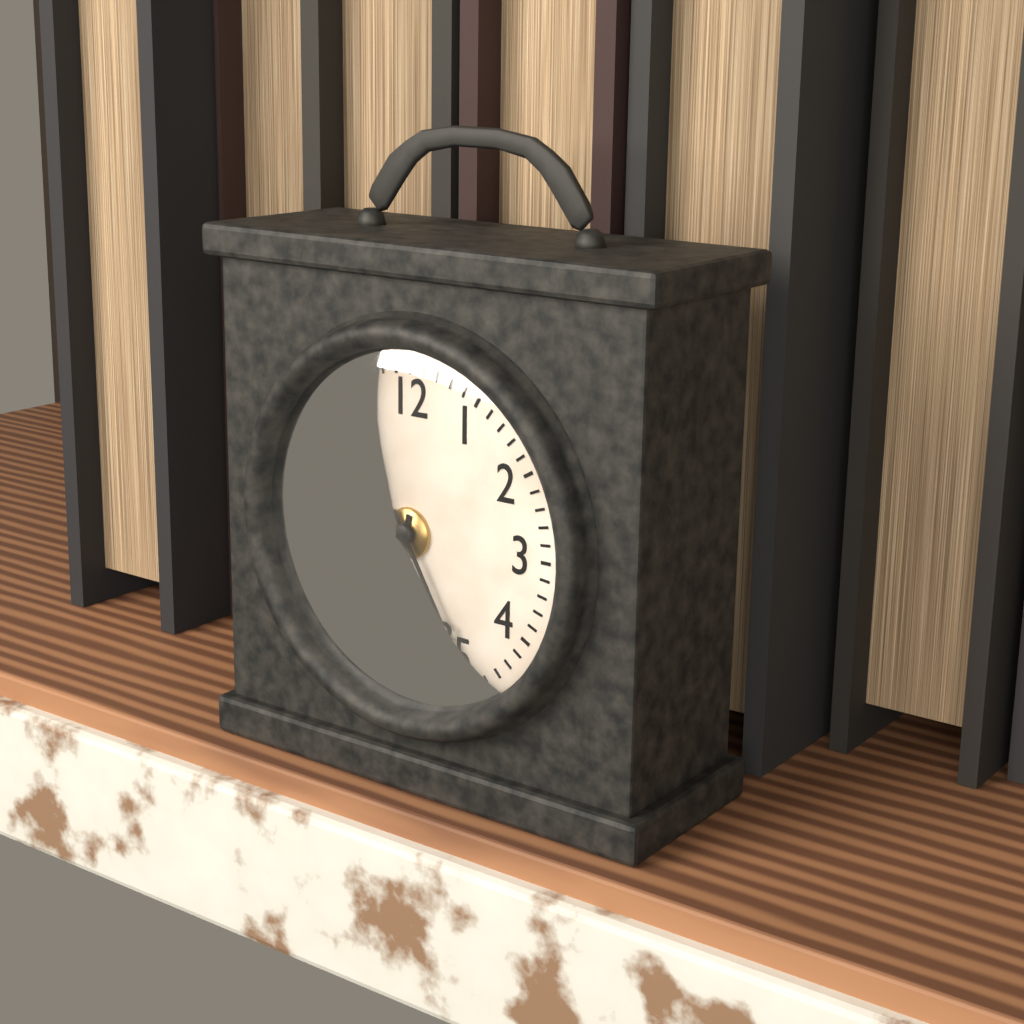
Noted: {"hour": 6, "minute": 25}
